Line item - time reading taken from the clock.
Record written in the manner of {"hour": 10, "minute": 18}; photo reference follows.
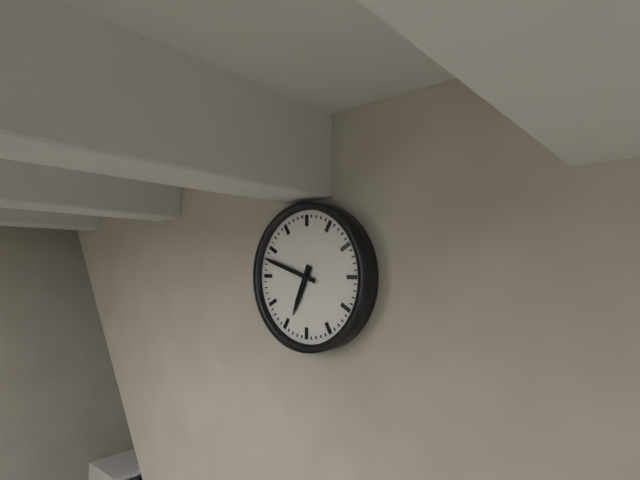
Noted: {"hour": 6, "minute": 48}
